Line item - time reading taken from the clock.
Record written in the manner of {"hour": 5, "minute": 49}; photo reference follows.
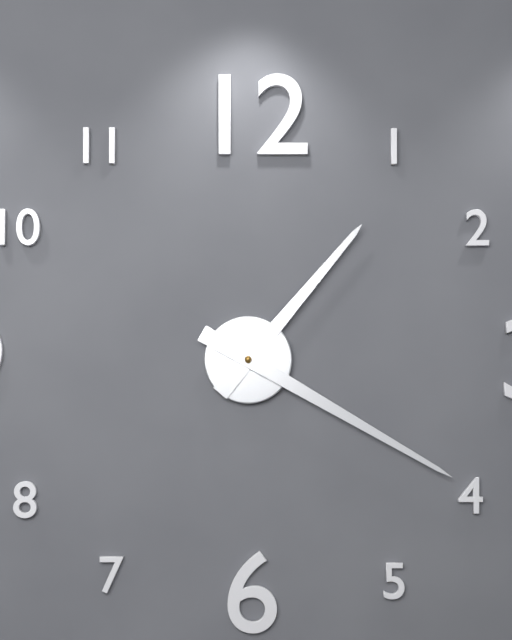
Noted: {"hour": 1, "minute": 20}
